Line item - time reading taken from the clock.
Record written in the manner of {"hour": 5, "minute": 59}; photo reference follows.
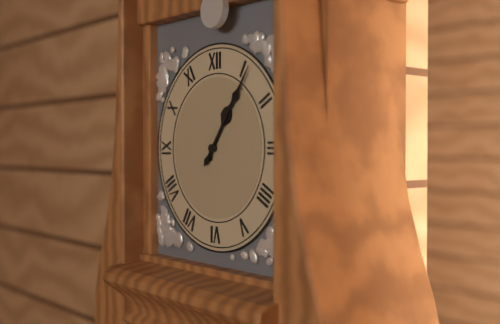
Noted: {"hour": 1, "minute": 6}
